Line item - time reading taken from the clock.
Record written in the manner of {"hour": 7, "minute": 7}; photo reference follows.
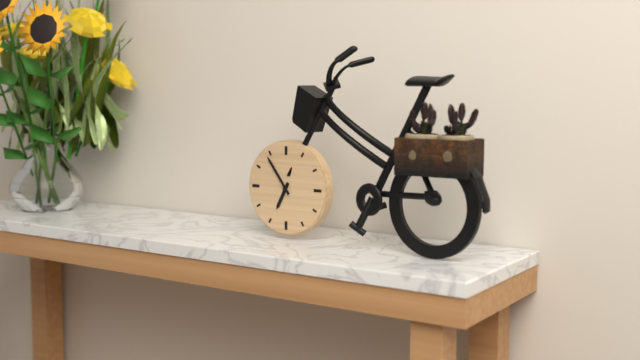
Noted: {"hour": 6, "minute": 54}
